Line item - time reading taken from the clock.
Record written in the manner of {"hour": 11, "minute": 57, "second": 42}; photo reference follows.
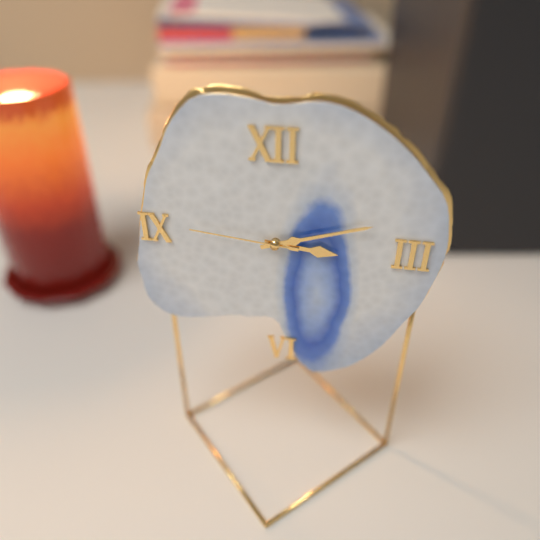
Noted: {"hour": 3, "minute": 12, "second": 46}
